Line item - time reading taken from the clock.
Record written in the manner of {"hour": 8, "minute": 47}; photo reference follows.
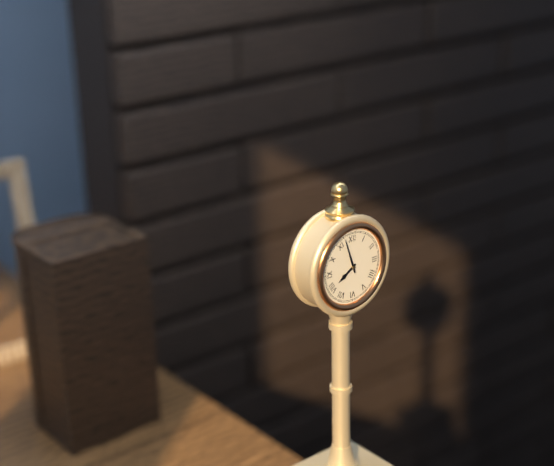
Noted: {"hour": 7, "minute": 57}
